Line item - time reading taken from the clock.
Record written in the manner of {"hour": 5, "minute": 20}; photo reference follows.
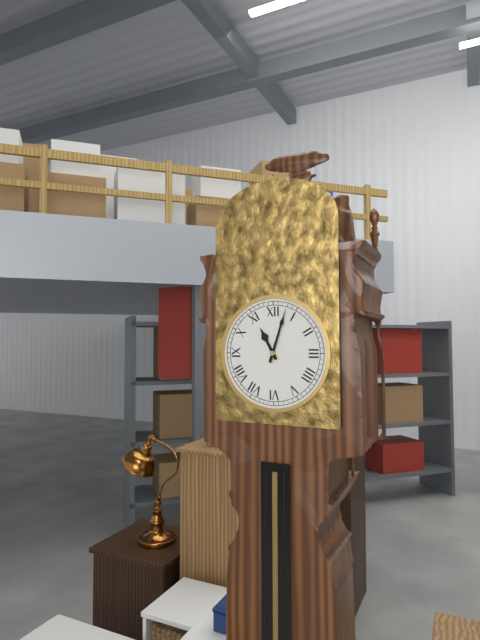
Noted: {"hour": 11, "minute": 3}
